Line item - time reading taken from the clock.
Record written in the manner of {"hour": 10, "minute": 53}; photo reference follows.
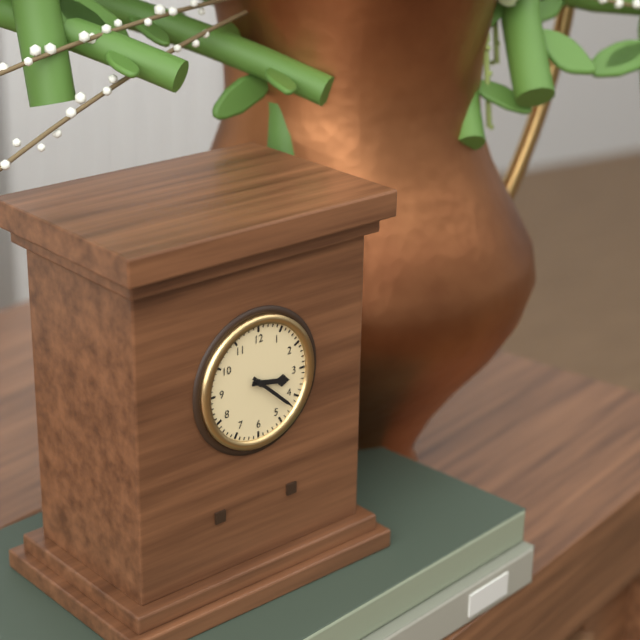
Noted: {"hour": 3, "minute": 22}
